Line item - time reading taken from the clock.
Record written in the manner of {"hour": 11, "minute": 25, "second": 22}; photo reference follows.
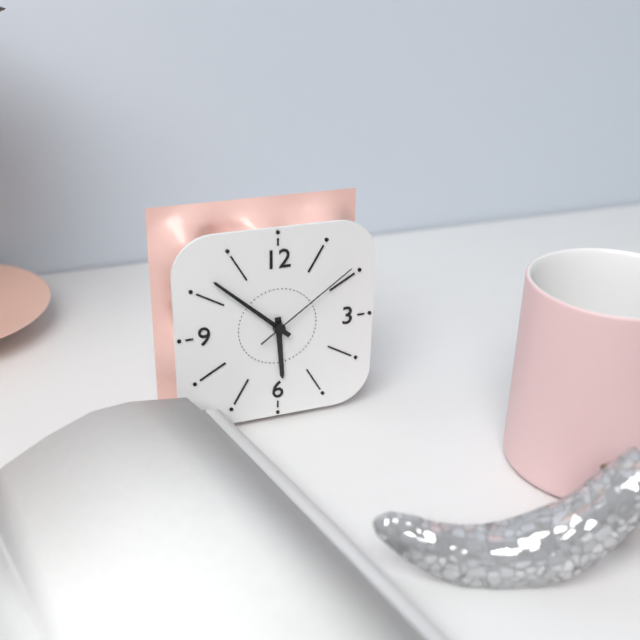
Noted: {"hour": 5, "minute": 52, "second": 9}
